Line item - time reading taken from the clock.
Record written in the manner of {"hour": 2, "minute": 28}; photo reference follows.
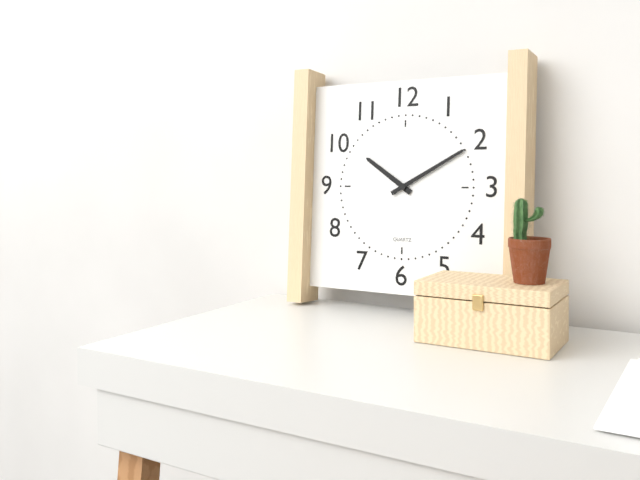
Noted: {"hour": 10, "minute": 10}
